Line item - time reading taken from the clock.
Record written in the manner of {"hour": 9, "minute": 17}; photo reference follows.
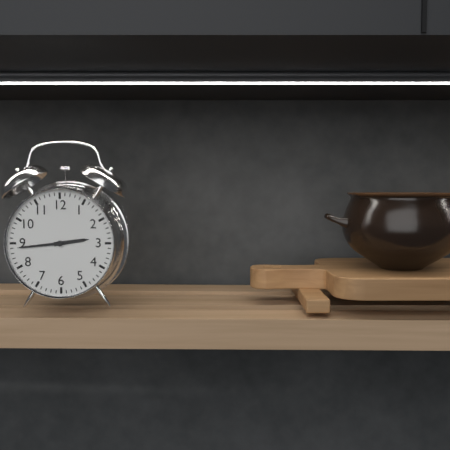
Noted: {"hour": 2, "minute": 44}
